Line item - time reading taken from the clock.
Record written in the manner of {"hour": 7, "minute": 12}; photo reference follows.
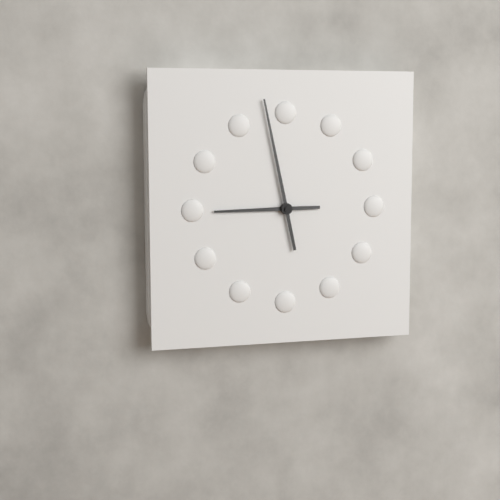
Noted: {"hour": 8, "minute": 58}
